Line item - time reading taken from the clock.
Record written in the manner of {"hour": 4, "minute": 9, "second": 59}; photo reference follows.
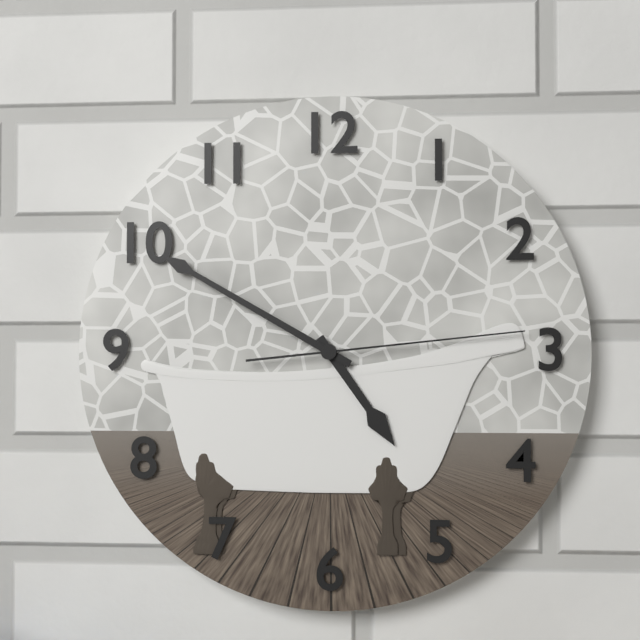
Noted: {"hour": 4, "minute": 50, "second": 14}
